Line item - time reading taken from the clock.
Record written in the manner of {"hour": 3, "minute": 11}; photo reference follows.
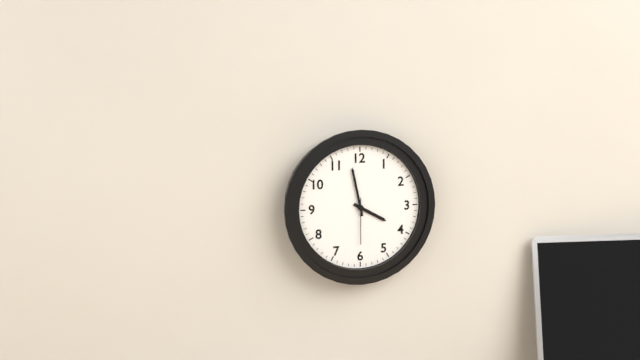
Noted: {"hour": 3, "minute": 58}
